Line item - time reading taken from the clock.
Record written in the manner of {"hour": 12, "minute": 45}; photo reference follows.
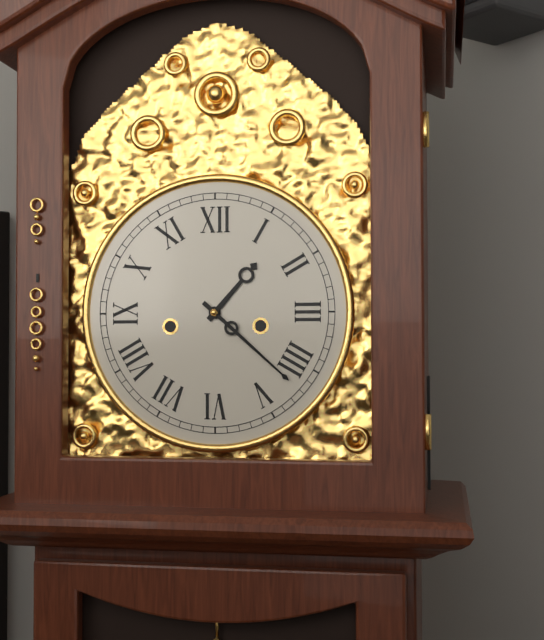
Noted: {"hour": 1, "minute": 22}
